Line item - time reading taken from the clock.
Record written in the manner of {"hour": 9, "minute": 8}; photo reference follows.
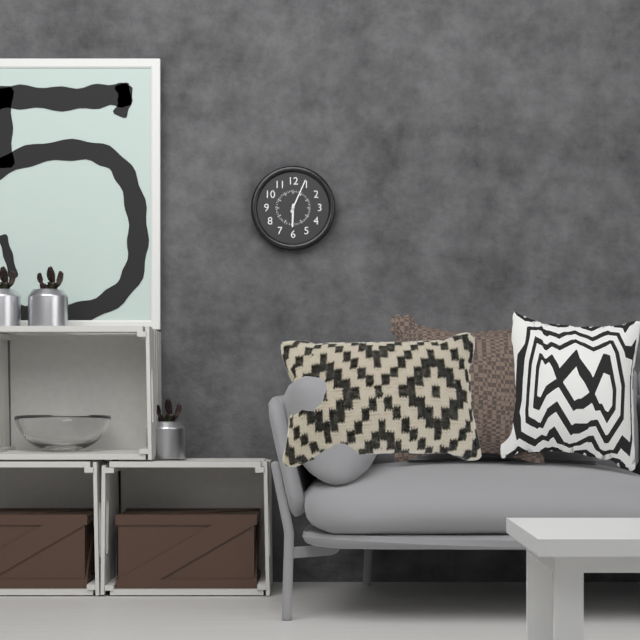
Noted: {"hour": 6, "minute": 4}
